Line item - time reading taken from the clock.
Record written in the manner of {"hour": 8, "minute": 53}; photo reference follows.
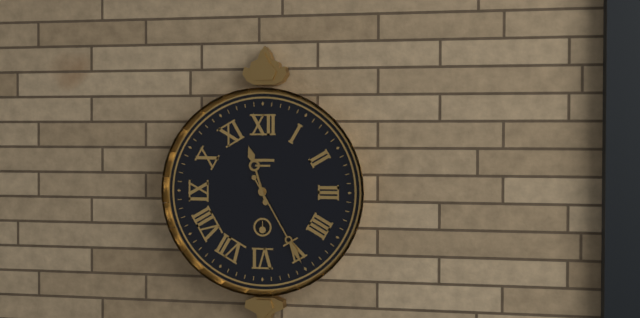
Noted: {"hour": 11, "minute": 25}
